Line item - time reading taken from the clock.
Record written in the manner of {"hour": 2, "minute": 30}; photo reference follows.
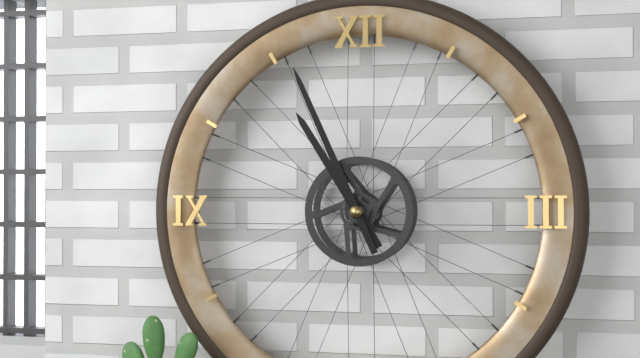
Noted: {"hour": 10, "minute": 56}
